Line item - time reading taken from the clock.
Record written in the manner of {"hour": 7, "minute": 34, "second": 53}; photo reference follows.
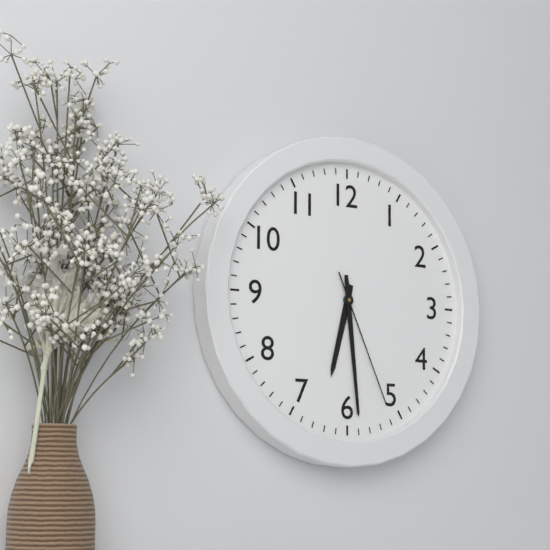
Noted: {"hour": 6, "minute": 29, "second": 26}
